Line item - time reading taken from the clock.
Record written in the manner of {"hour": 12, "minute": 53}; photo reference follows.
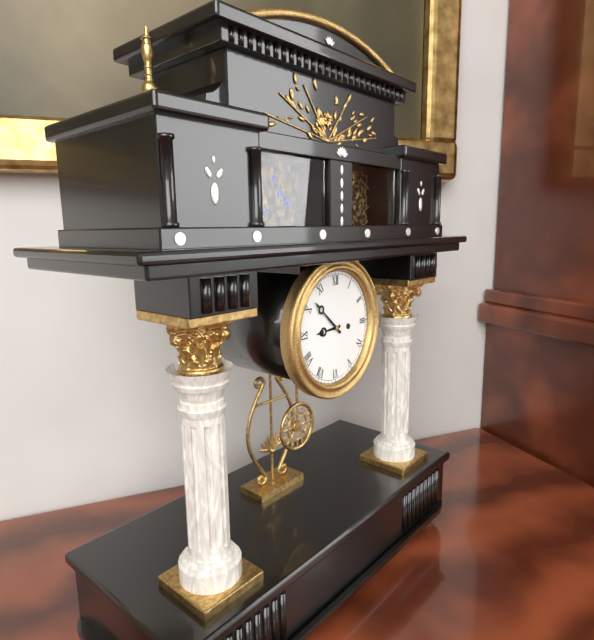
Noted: {"hour": 8, "minute": 52}
